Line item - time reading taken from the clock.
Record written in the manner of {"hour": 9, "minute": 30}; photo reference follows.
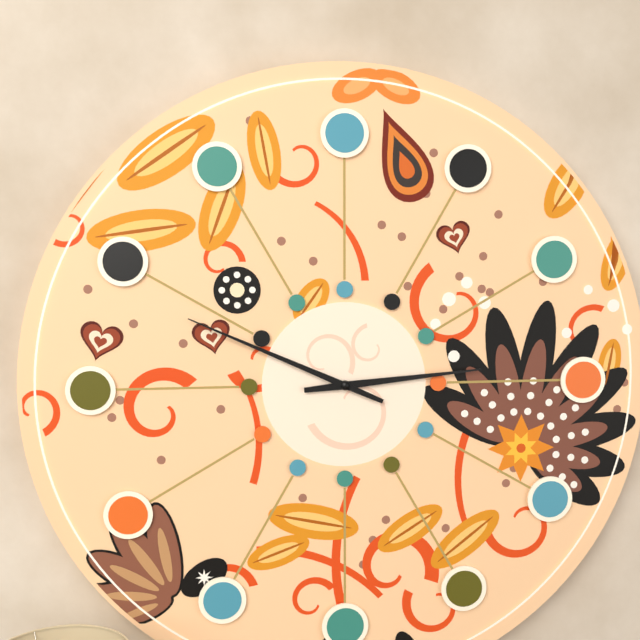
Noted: {"hour": 2, "minute": 49}
